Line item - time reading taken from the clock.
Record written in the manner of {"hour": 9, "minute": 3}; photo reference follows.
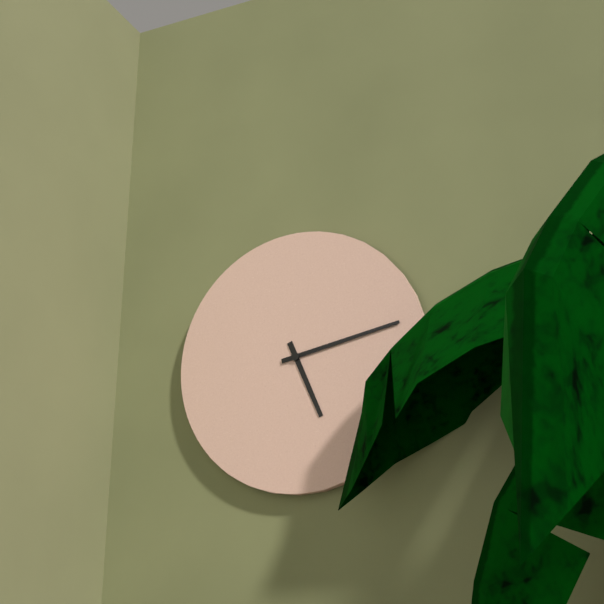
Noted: {"hour": 5, "minute": 13}
